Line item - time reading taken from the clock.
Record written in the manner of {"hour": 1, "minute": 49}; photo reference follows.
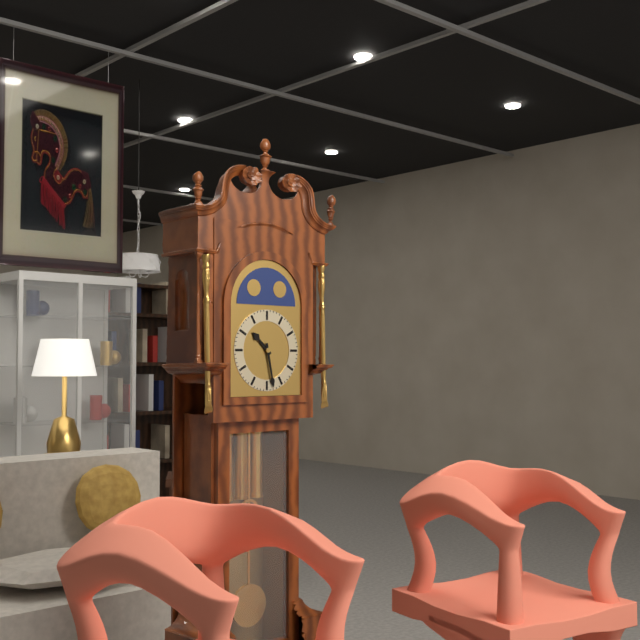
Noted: {"hour": 10, "minute": 28}
